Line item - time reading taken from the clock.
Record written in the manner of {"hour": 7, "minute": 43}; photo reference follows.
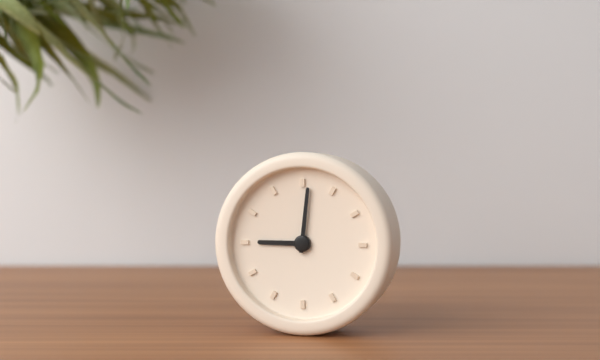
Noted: {"hour": 9, "minute": 1}
